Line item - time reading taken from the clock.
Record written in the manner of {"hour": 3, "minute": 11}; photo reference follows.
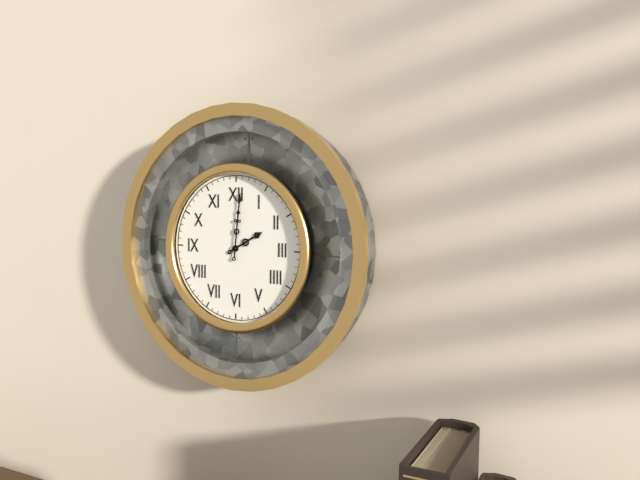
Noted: {"hour": 2, "minute": 1}
